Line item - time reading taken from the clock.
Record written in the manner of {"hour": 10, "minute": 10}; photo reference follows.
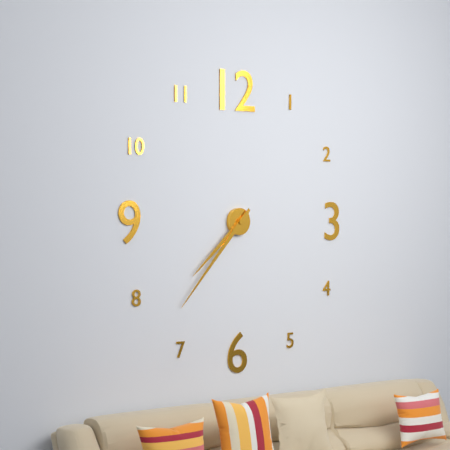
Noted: {"hour": 7, "minute": 37}
